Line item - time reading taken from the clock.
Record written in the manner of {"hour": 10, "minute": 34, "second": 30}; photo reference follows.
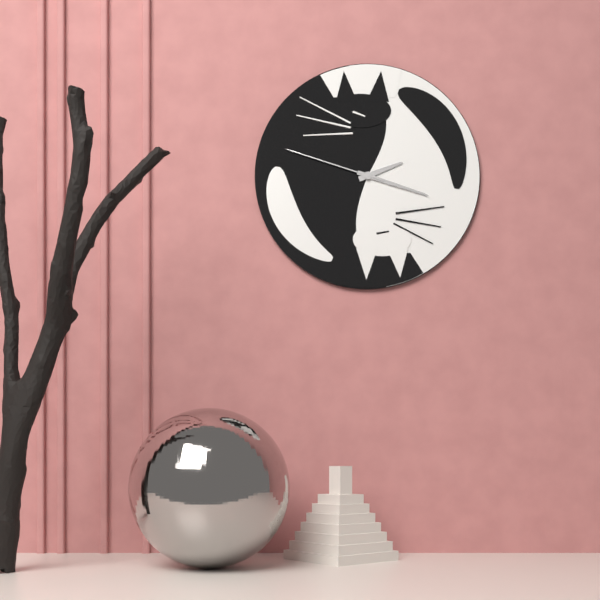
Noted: {"hour": 2, "minute": 18, "second": 48}
